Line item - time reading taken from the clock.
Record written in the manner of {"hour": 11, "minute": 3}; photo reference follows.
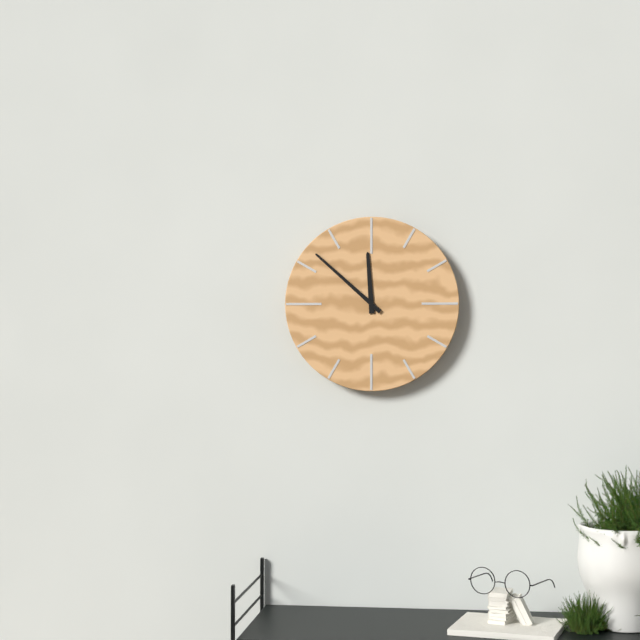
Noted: {"hour": 11, "minute": 52}
